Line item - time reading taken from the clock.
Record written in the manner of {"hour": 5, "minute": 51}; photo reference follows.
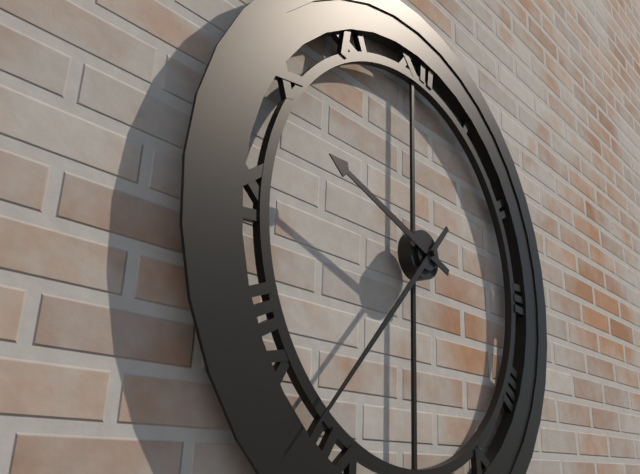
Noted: {"hour": 9, "minute": 37}
